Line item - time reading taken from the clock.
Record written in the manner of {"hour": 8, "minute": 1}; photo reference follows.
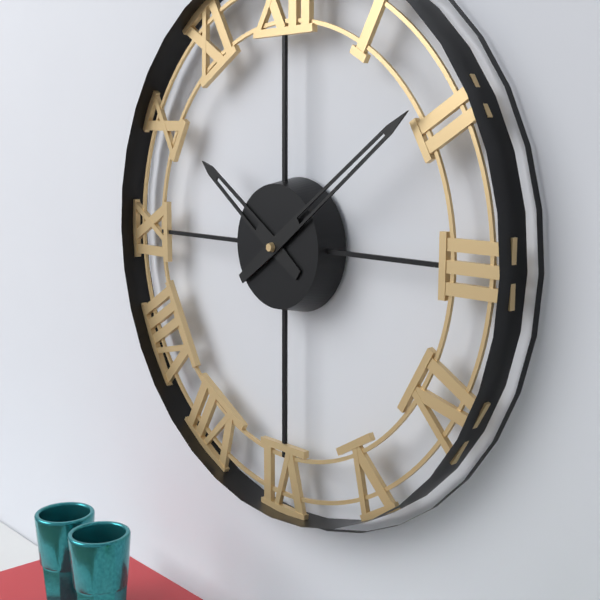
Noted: {"hour": 10, "minute": 9}
